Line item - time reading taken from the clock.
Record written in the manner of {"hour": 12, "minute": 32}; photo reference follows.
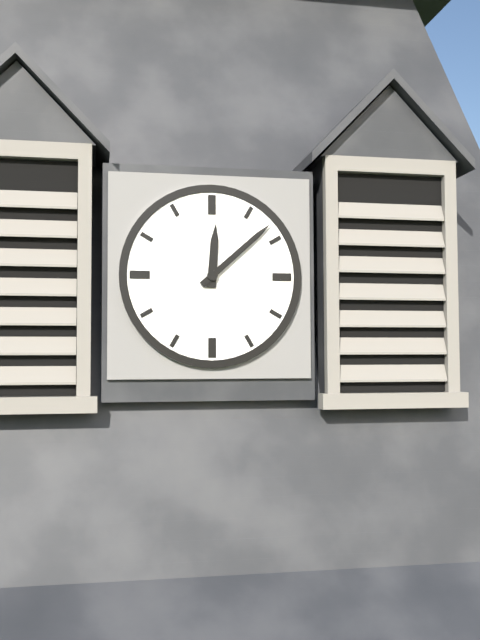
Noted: {"hour": 12, "minute": 8}
